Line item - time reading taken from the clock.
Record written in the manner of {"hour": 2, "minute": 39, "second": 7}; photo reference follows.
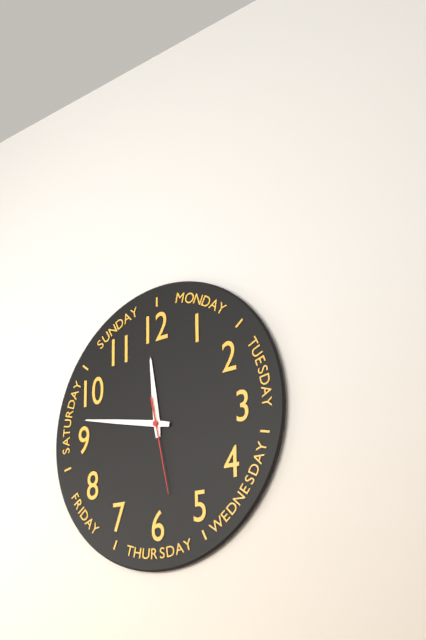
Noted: {"hour": 11, "minute": 47, "second": 28}
